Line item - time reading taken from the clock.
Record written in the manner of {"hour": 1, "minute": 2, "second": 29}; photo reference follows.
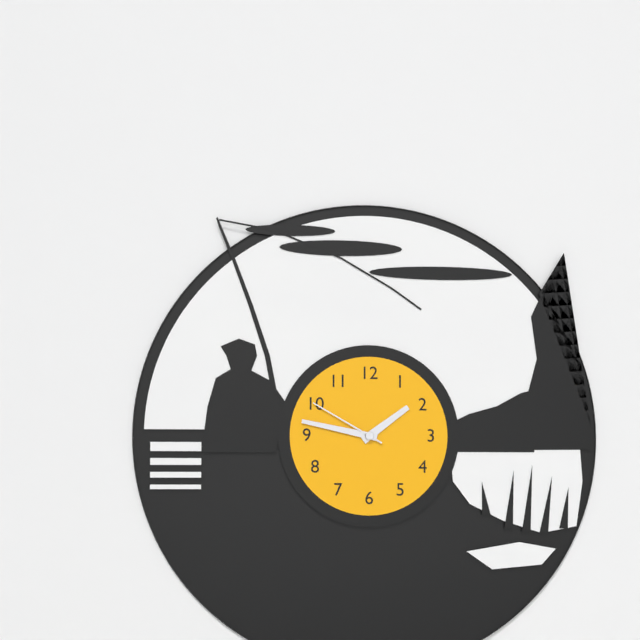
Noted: {"hour": 1, "minute": 47, "second": 50}
